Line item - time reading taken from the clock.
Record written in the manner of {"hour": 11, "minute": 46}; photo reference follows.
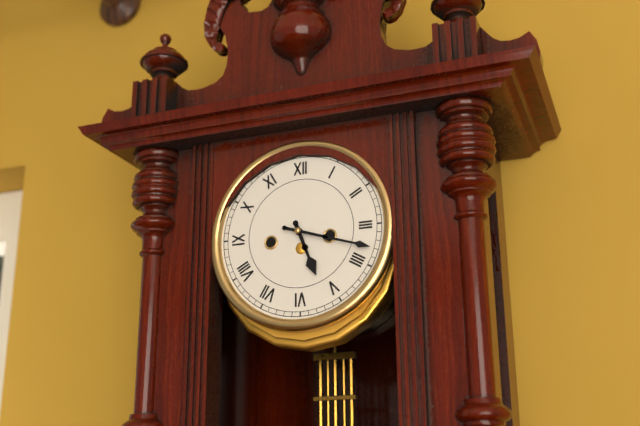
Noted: {"hour": 5, "minute": 18}
